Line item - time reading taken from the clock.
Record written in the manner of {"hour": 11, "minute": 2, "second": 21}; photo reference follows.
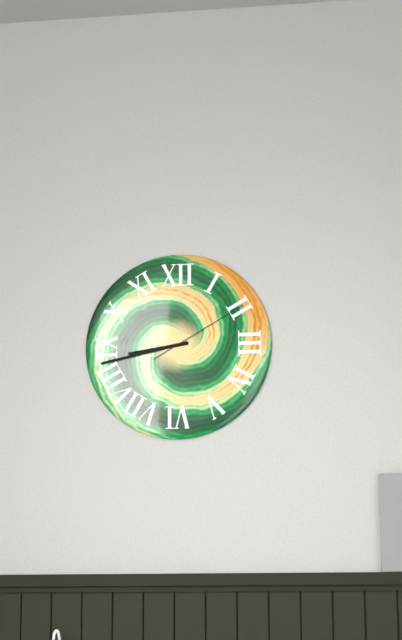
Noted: {"hour": 8, "minute": 43, "second": 10}
